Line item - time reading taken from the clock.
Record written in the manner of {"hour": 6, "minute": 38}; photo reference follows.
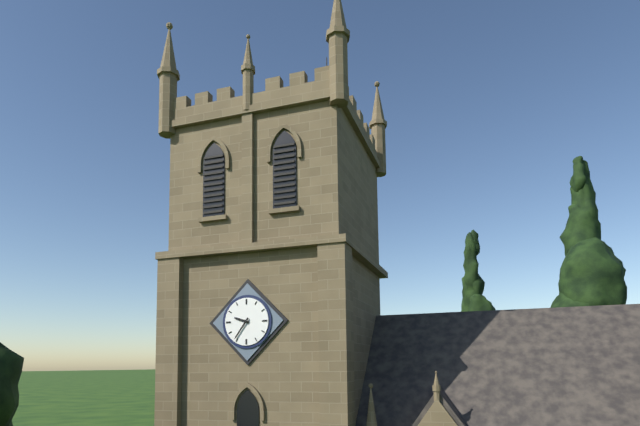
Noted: {"hour": 9, "minute": 36}
